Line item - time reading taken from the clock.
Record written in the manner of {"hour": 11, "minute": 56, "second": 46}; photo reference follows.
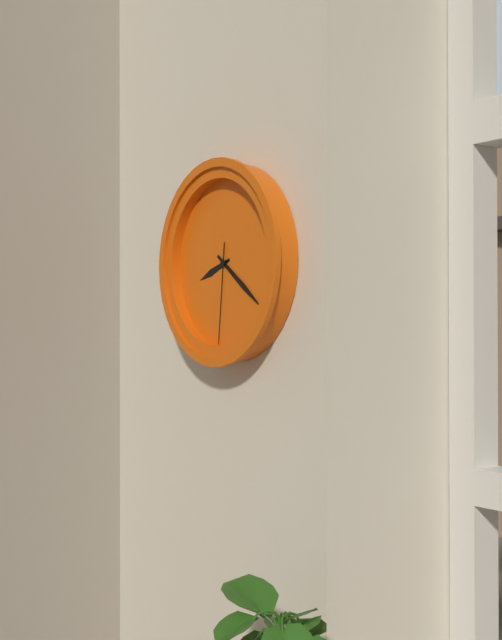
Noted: {"hour": 8, "minute": 21, "second": 31}
